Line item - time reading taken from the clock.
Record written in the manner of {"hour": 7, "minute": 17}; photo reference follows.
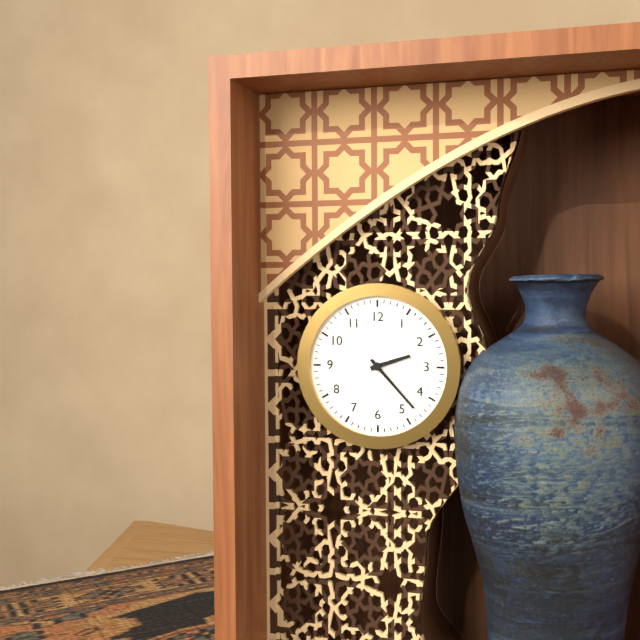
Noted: {"hour": 2, "minute": 23}
